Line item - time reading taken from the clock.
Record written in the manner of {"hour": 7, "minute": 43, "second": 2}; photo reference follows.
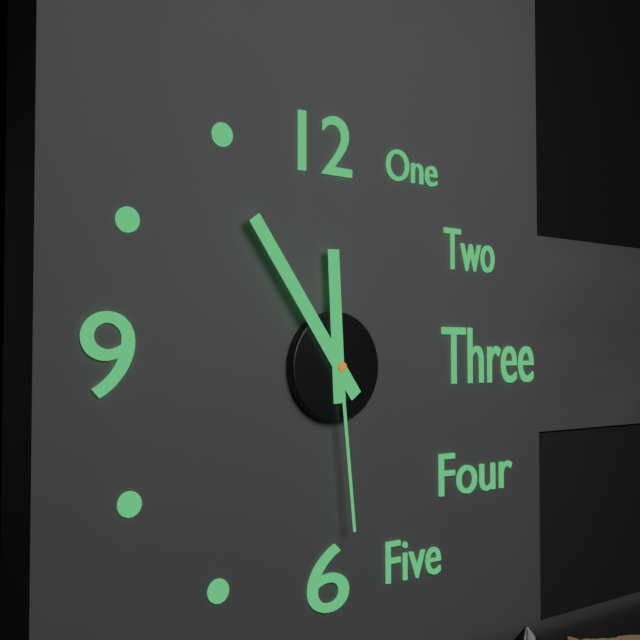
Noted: {"hour": 11, "minute": 54, "second": 29}
